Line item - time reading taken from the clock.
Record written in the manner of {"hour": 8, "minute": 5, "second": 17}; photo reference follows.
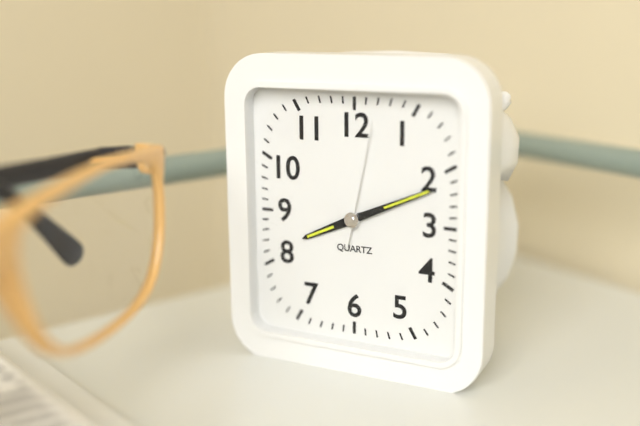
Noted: {"hour": 8, "minute": 11, "second": 2}
